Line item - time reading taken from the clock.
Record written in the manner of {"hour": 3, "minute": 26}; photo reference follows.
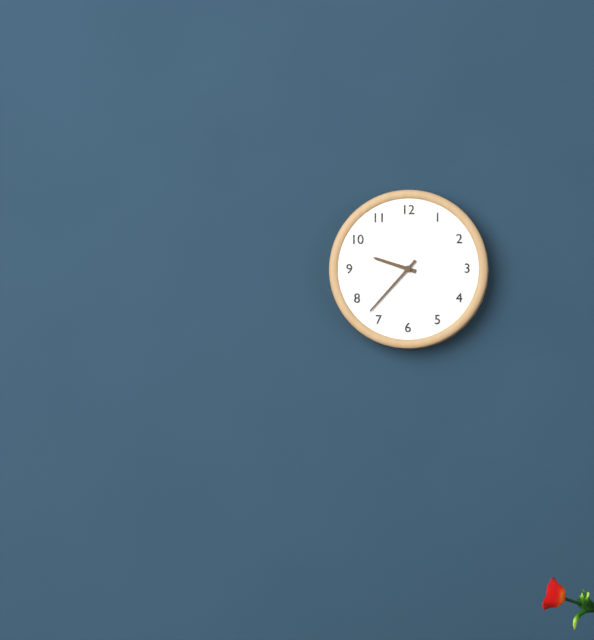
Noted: {"hour": 9, "minute": 37}
